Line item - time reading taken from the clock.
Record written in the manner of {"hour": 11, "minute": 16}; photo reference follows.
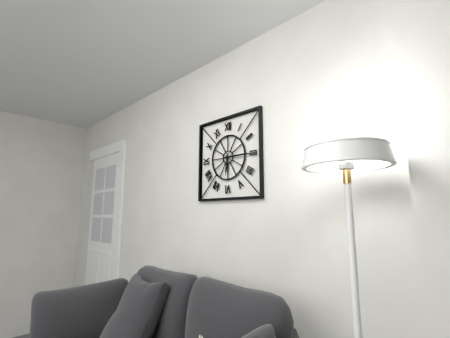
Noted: {"hour": 6, "minute": 15}
